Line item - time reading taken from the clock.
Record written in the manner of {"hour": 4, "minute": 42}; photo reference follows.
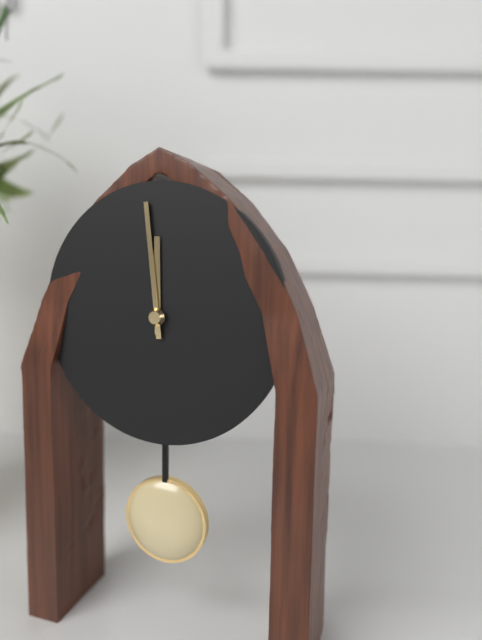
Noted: {"hour": 11, "minute": 59}
